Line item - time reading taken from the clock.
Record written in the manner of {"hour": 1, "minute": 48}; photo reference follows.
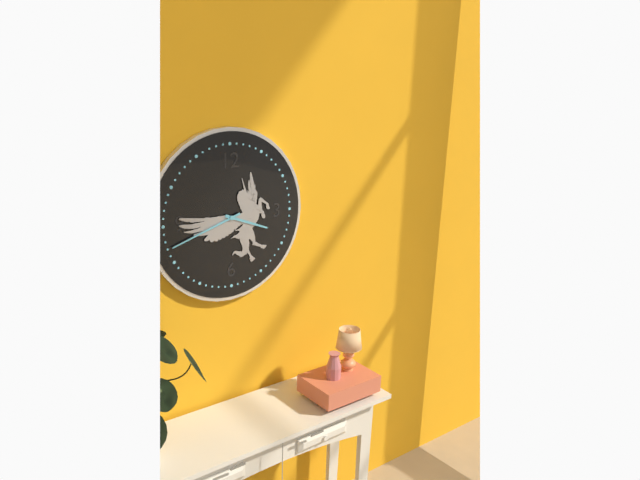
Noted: {"hour": 3, "minute": 42}
